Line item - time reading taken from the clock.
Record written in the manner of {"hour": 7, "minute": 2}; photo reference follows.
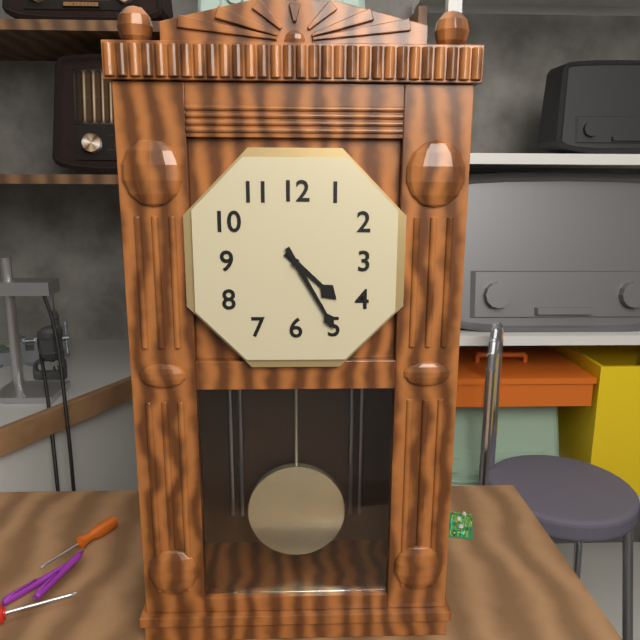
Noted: {"hour": 4, "minute": 25}
